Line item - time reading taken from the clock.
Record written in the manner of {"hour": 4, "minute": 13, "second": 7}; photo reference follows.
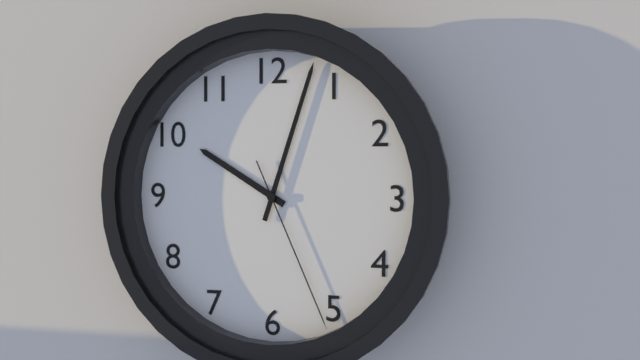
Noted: {"hour": 10, "minute": 3, "second": 26}
